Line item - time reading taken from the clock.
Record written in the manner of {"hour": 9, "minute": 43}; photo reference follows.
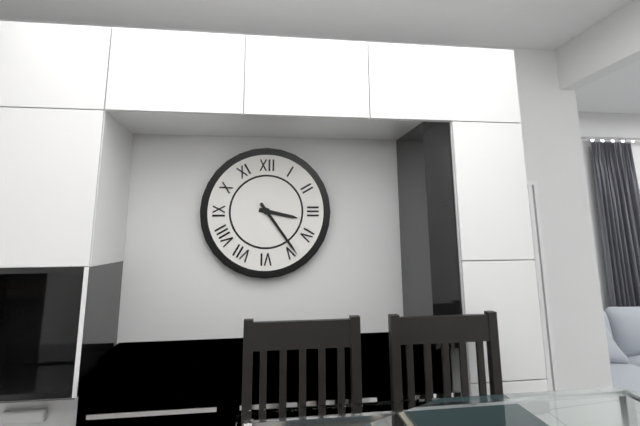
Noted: {"hour": 3, "minute": 24}
